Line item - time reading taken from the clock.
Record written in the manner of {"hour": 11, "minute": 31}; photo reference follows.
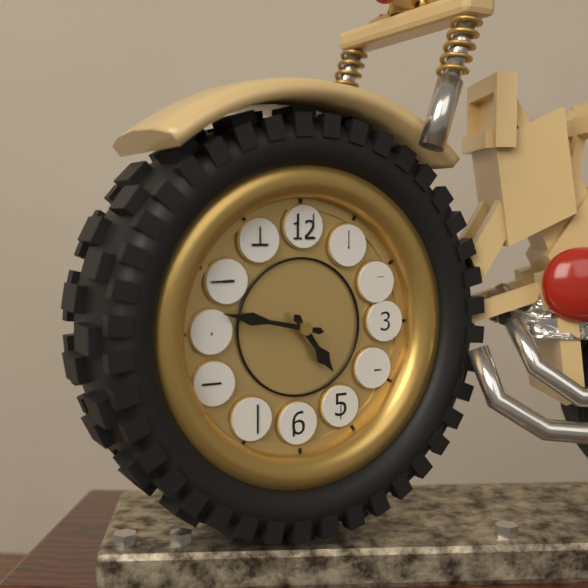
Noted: {"hour": 4, "minute": 47}
